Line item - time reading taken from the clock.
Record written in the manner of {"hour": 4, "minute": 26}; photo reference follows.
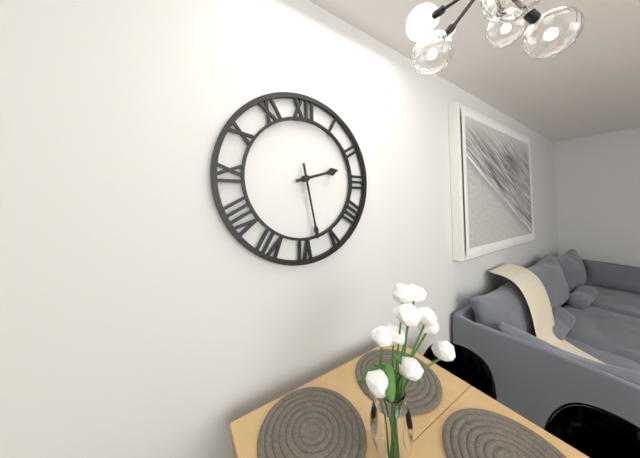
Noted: {"hour": 2, "minute": 28}
